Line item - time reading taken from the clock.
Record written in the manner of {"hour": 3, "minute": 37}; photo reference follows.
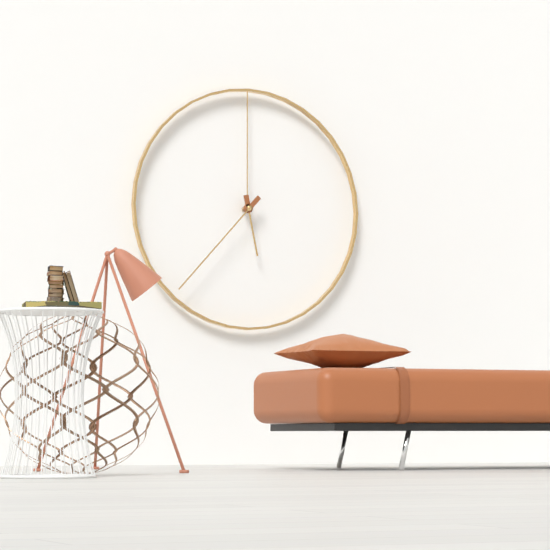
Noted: {"hour": 5, "minute": 37}
